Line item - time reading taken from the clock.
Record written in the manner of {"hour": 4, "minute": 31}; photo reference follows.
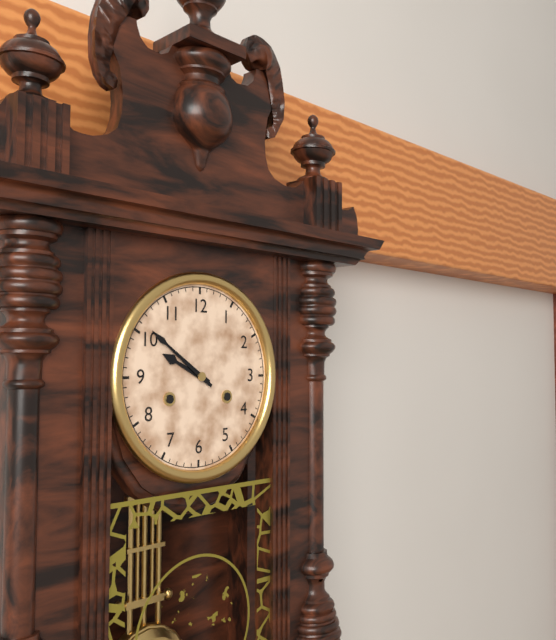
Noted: {"hour": 9, "minute": 51}
